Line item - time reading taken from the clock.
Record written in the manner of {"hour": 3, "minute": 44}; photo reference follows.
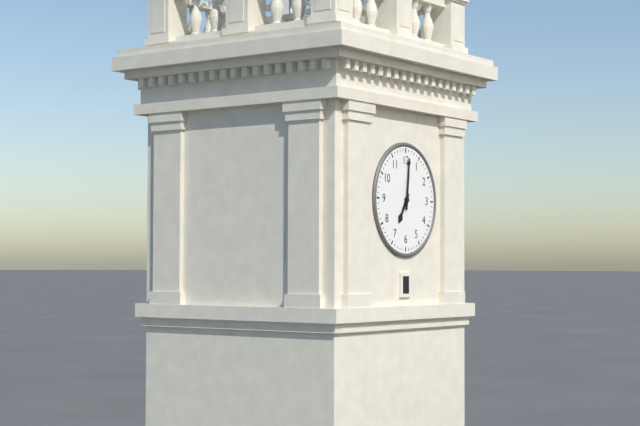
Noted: {"hour": 7, "minute": 1}
